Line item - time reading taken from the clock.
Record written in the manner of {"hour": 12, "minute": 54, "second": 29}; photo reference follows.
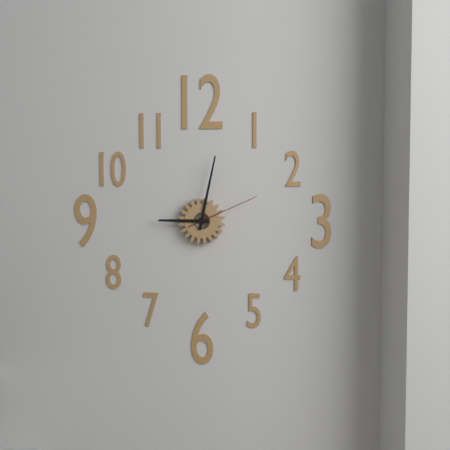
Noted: {"hour": 9, "minute": 2, "second": 11}
